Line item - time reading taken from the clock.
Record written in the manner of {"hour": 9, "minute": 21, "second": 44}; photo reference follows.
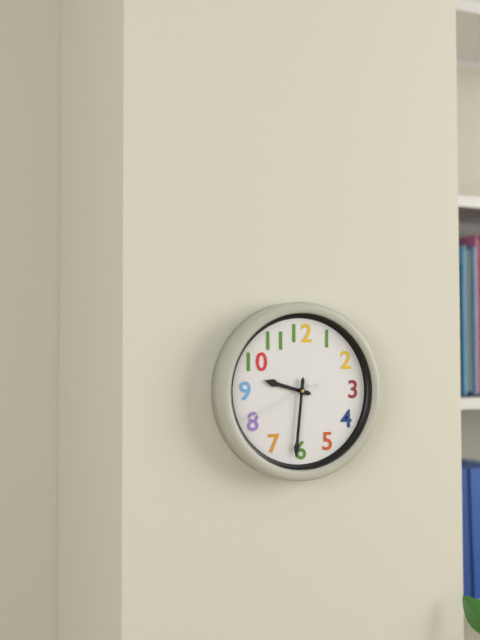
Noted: {"hour": 9, "minute": 31, "second": 41}
